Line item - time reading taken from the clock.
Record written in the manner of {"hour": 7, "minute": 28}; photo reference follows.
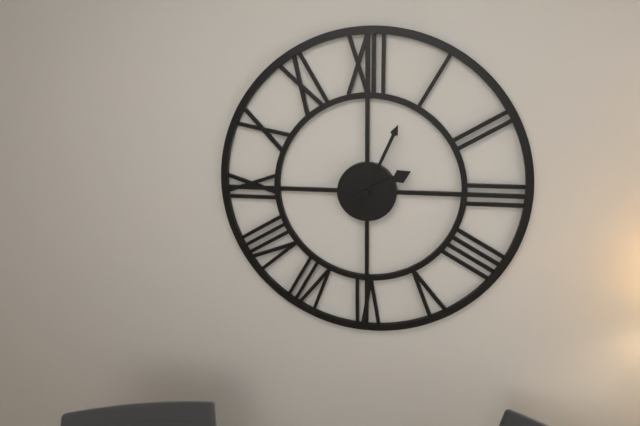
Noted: {"hour": 2, "minute": 4}
